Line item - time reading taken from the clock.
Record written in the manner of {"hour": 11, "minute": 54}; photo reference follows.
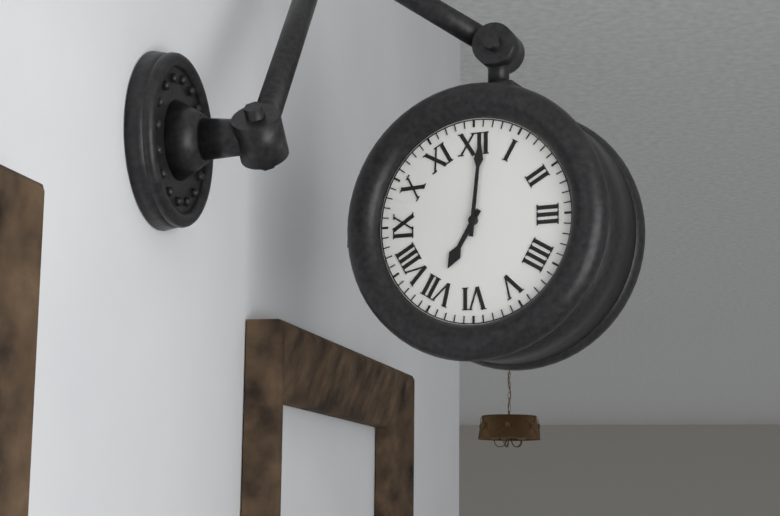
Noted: {"hour": 7, "minute": 1}
